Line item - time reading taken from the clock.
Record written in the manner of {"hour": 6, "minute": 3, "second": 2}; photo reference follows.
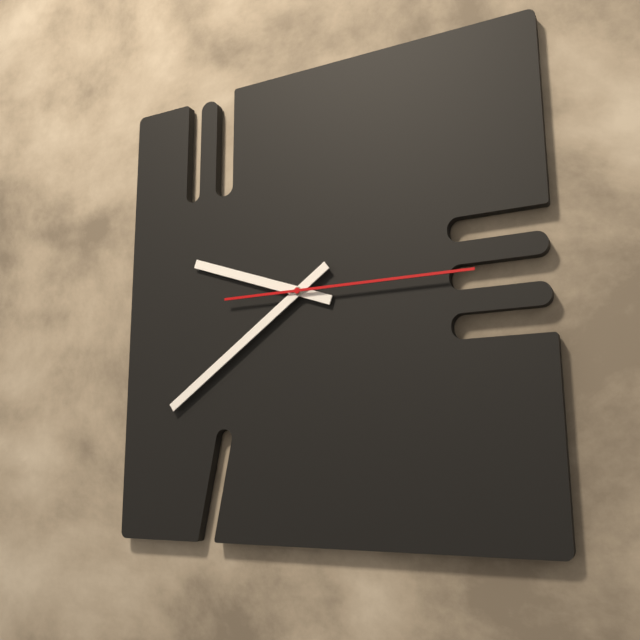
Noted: {"hour": 9, "minute": 39, "second": 15}
